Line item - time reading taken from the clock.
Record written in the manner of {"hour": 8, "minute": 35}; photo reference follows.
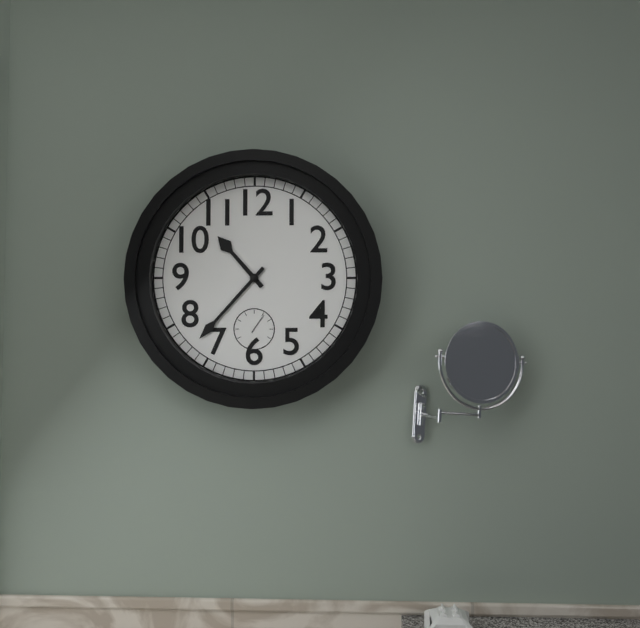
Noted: {"hour": 10, "minute": 37}
